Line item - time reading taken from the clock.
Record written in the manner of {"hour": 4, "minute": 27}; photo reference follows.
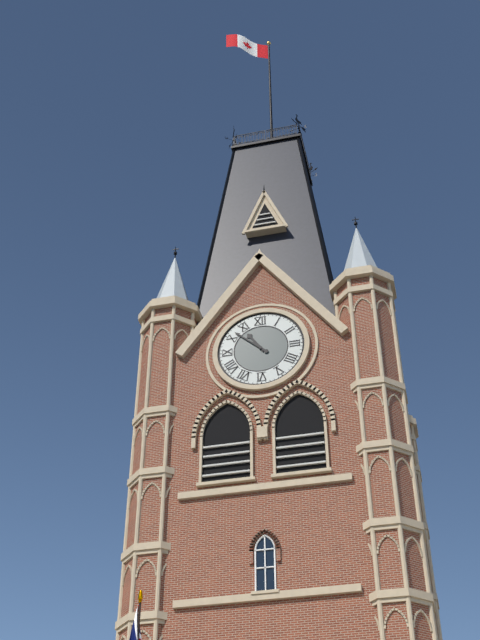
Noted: {"hour": 10, "minute": 52}
